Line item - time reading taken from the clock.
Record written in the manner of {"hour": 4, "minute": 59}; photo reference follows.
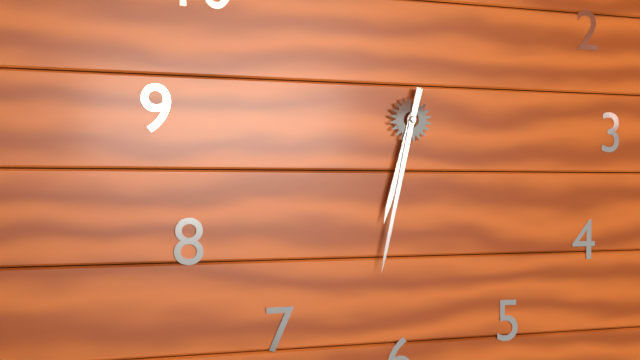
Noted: {"hour": 6, "minute": 32}
